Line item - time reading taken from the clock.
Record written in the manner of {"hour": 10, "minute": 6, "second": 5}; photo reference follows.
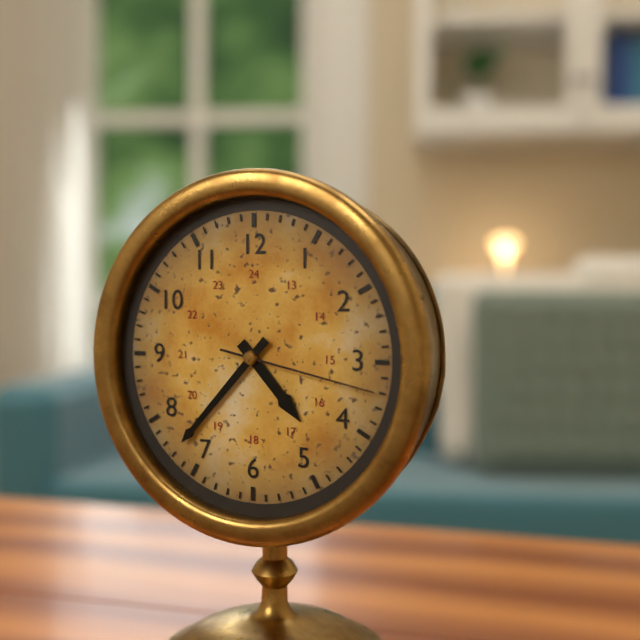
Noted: {"hour": 4, "minute": 37, "second": 17}
